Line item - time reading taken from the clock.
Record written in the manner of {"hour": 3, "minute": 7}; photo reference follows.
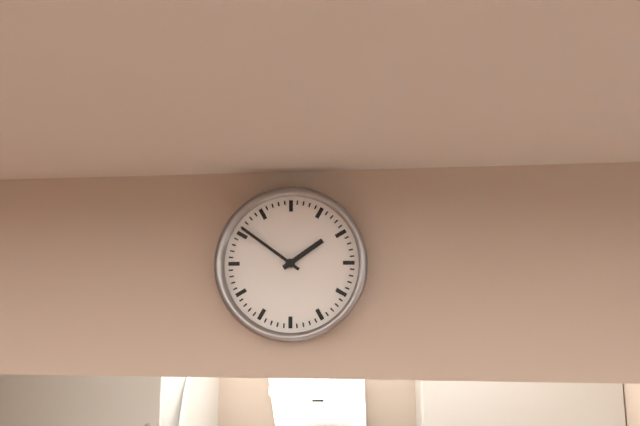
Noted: {"hour": 1, "minute": 51}
